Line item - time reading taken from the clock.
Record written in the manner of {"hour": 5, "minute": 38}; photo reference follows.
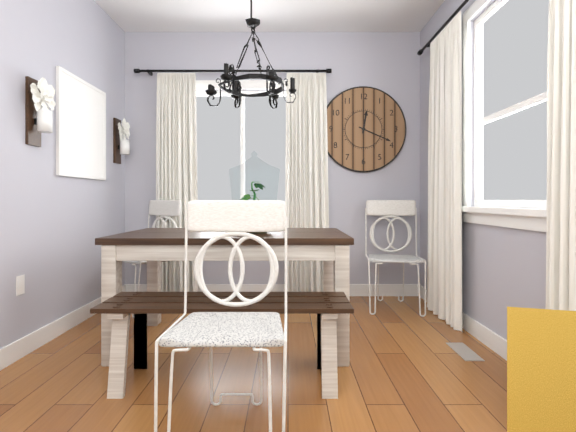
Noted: {"hour": 12, "minute": 19}
